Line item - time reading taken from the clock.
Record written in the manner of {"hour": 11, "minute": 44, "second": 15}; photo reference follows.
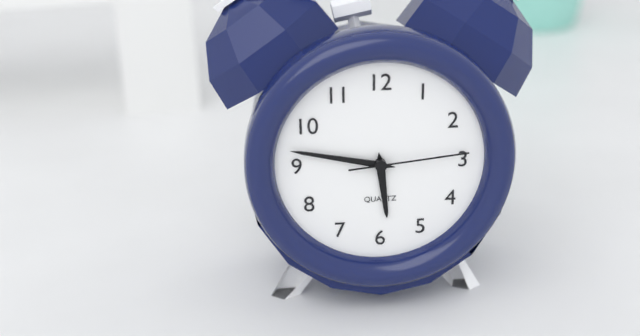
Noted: {"hour": 5, "minute": 47, "second": 14}
